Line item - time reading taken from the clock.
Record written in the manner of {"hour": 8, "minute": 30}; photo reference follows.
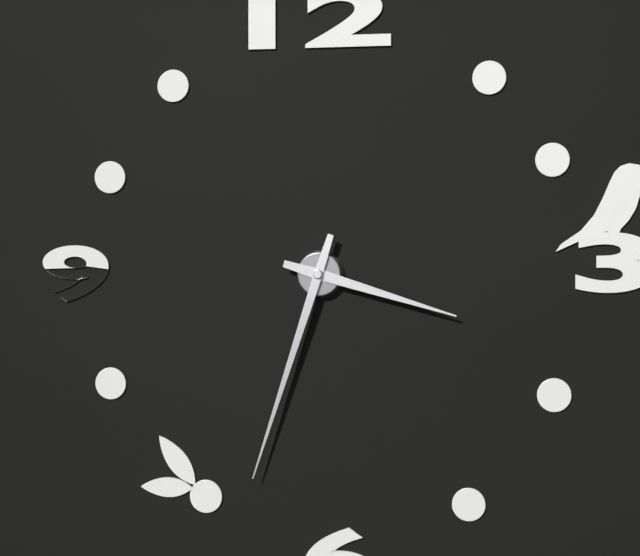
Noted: {"hour": 3, "minute": 33}
